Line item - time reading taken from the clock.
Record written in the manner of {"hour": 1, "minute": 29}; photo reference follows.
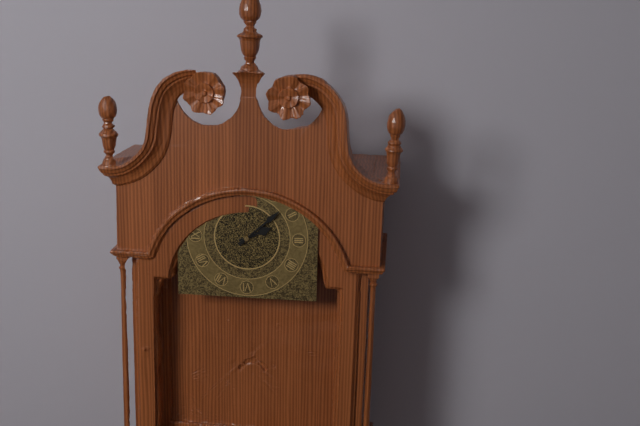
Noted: {"hour": 2, "minute": 8}
